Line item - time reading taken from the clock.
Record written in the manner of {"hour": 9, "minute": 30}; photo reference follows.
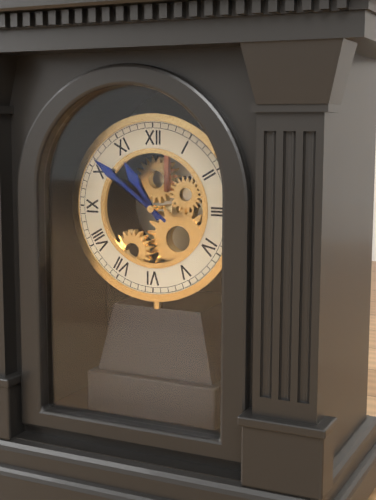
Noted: {"hour": 10, "minute": 51}
